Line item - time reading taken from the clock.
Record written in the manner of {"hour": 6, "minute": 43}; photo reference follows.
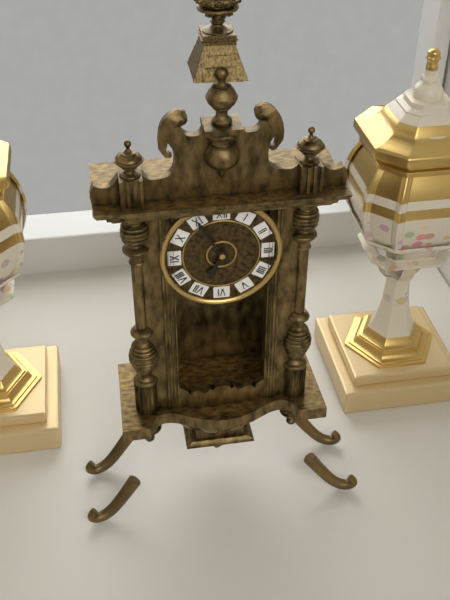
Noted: {"hour": 6, "minute": 55}
